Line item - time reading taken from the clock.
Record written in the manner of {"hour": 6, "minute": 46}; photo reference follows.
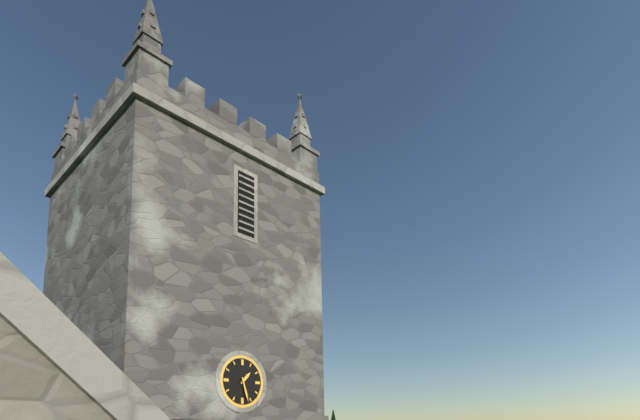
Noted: {"hour": 1, "minute": 27}
